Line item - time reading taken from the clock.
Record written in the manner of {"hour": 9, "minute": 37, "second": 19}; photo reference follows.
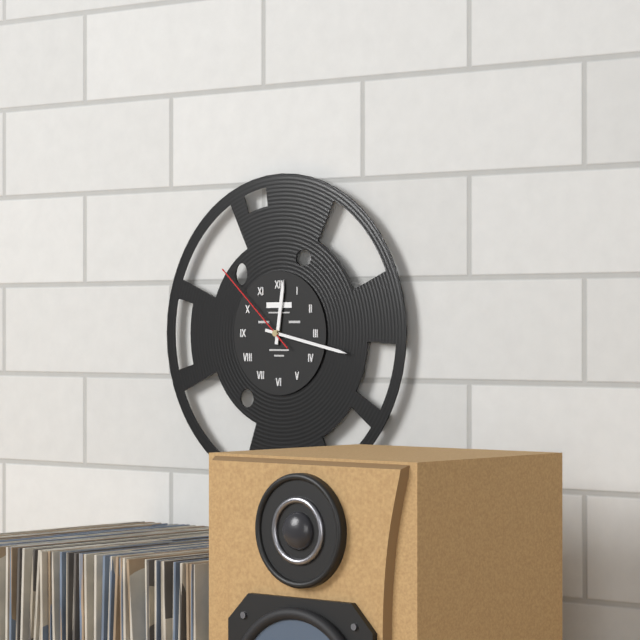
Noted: {"hour": 12, "minute": 17, "second": 52}
